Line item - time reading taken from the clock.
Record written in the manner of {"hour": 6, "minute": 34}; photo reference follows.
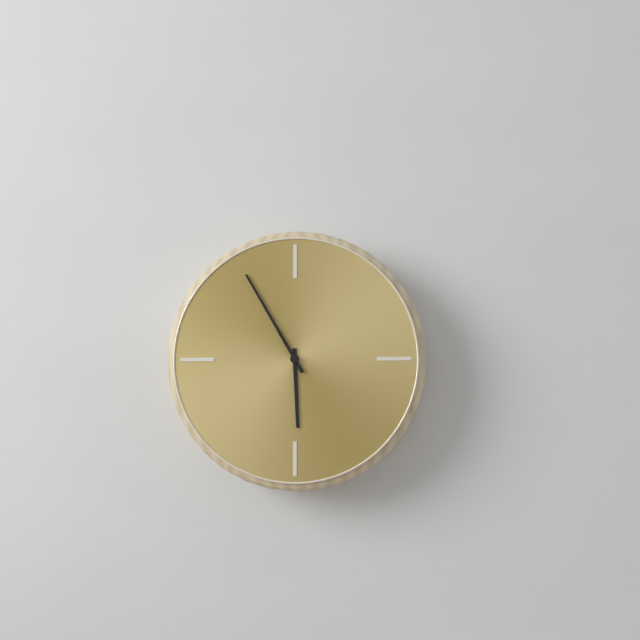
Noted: {"hour": 5, "minute": 55}
